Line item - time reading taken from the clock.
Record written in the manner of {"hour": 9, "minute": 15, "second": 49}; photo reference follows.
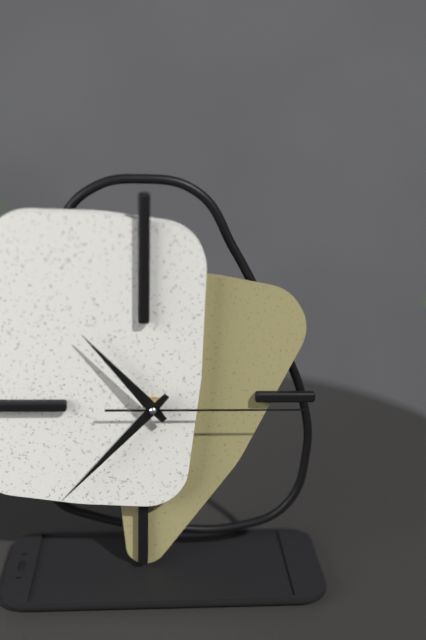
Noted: {"hour": 10, "minute": 37, "second": 15}
